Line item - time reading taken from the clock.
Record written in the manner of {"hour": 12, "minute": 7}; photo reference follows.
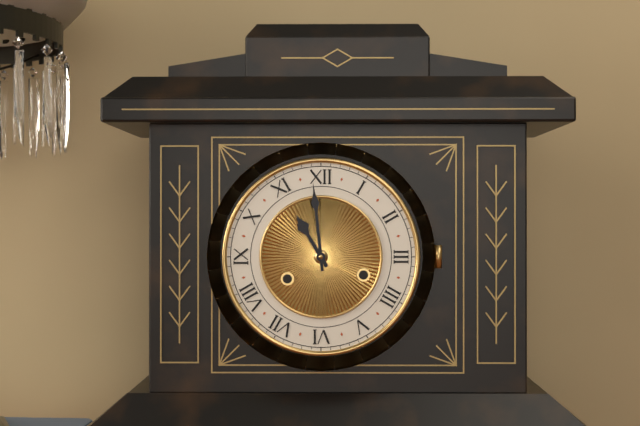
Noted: {"hour": 10, "minute": 59}
